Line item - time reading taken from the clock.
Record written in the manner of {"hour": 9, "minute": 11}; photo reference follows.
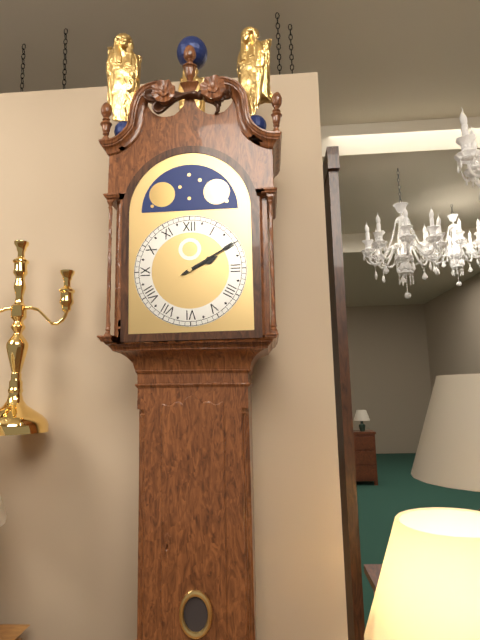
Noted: {"hour": 2, "minute": 10}
